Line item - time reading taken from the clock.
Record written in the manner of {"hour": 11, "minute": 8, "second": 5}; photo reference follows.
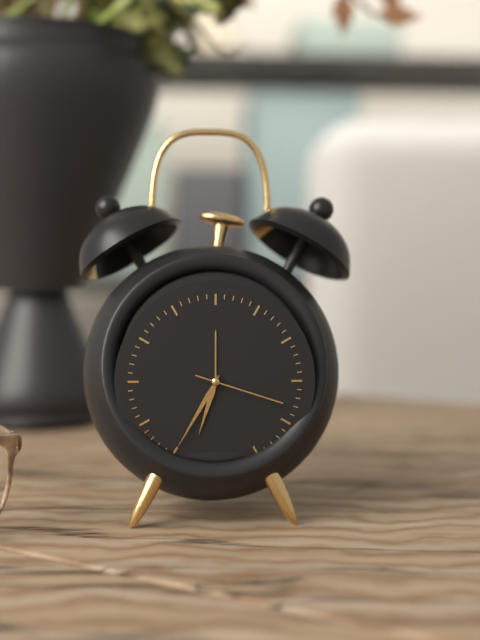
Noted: {"hour": 6, "minute": 35, "second": 18}
